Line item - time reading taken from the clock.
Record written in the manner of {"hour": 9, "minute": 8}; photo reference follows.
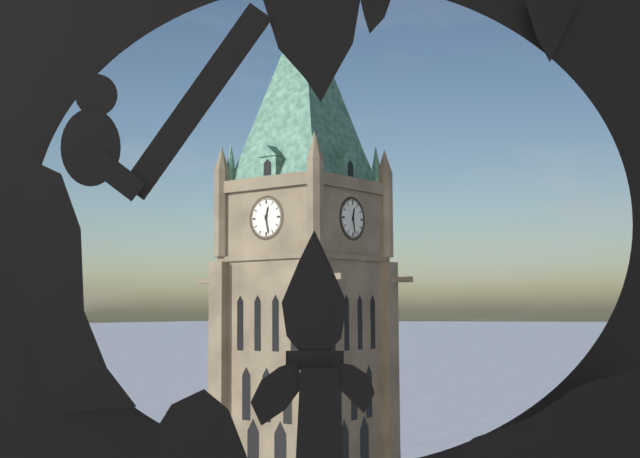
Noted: {"hour": 12, "minute": 28}
